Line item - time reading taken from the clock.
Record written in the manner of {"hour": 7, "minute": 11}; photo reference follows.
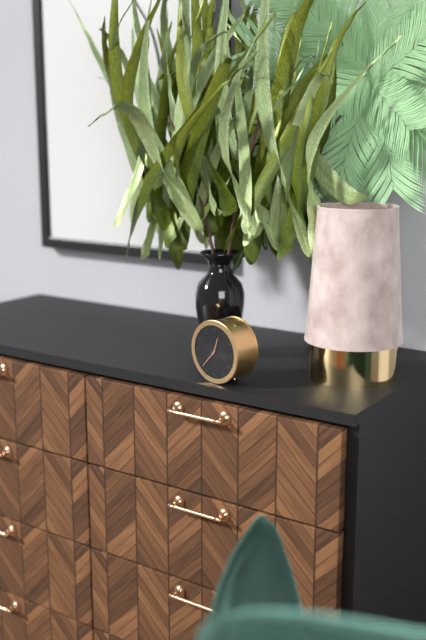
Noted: {"hour": 12, "minute": 37}
